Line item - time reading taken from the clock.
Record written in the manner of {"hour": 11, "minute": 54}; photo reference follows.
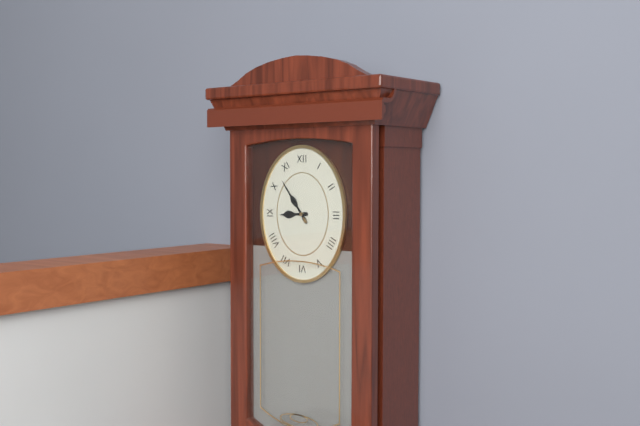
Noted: {"hour": 8, "minute": 54}
